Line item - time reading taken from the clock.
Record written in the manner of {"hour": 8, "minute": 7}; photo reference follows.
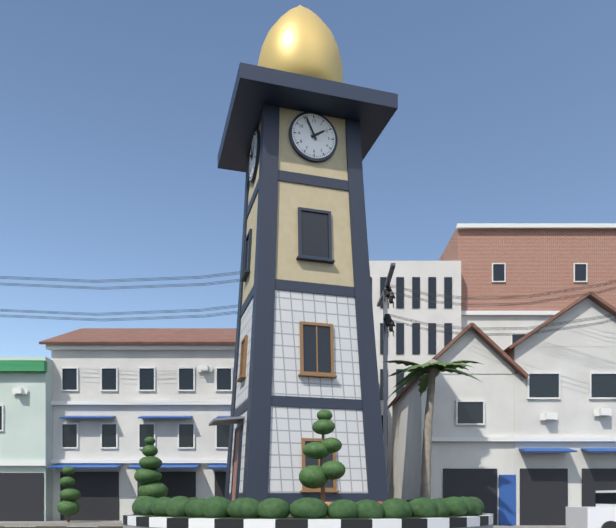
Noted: {"hour": 1, "minute": 56}
